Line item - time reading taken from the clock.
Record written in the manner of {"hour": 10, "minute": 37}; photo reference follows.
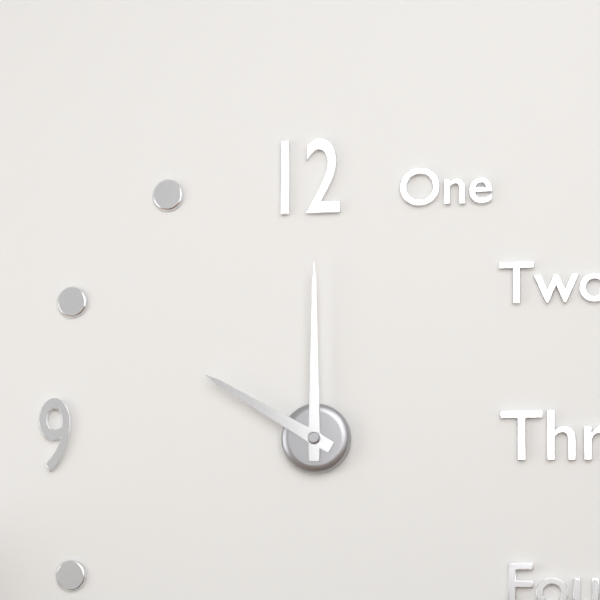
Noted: {"hour": 10, "minute": 0}
